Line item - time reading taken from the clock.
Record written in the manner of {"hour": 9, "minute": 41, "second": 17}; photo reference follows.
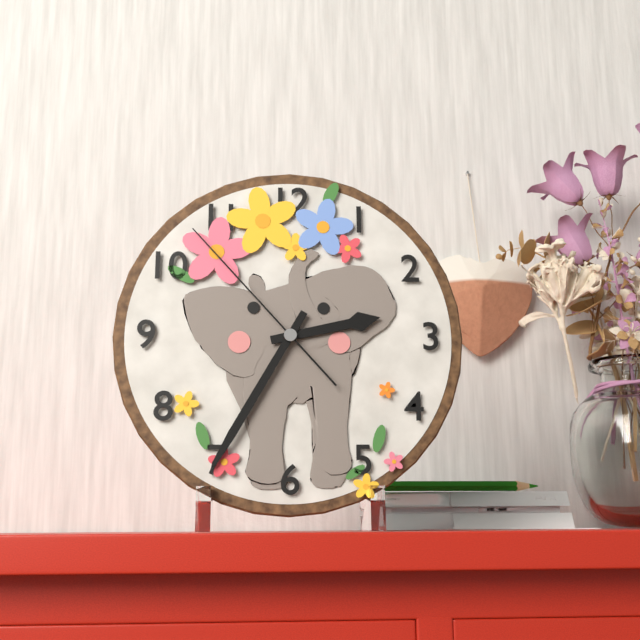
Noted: {"hour": 2, "minute": 35, "second": 53}
